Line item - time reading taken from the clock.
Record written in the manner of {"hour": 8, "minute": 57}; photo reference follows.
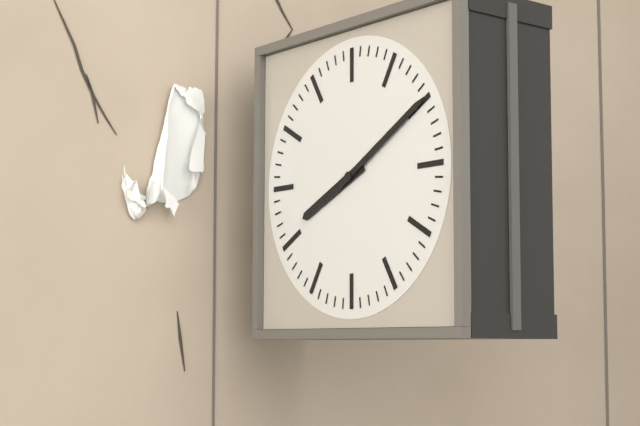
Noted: {"hour": 8, "minute": 10}
